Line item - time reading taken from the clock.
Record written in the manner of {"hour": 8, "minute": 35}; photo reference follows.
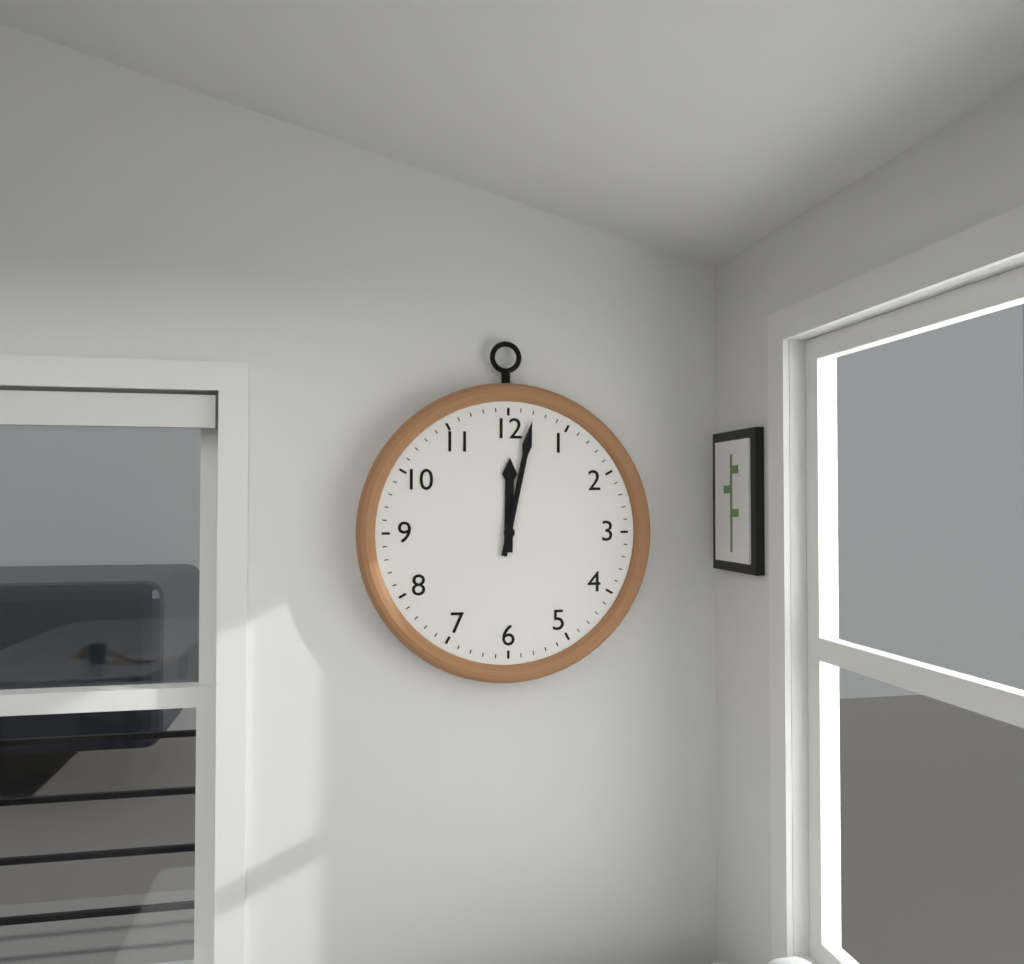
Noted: {"hour": 12, "minute": 2}
